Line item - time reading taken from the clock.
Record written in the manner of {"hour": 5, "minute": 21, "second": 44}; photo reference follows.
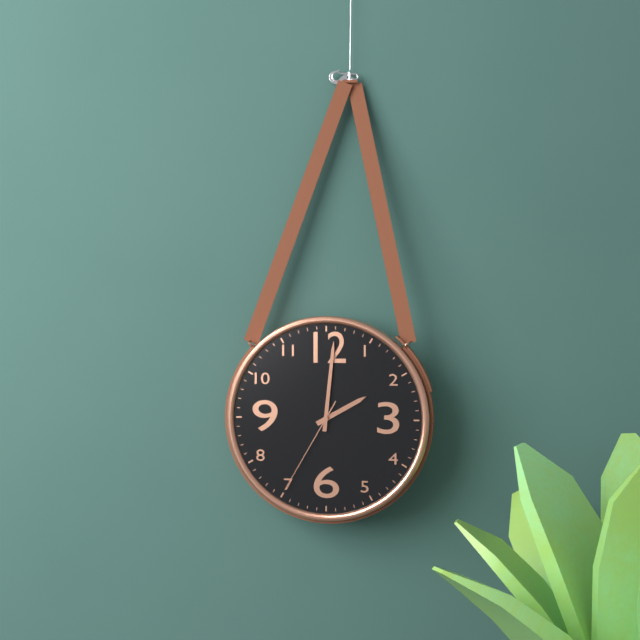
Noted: {"hour": 2, "minute": 1, "second": 35}
